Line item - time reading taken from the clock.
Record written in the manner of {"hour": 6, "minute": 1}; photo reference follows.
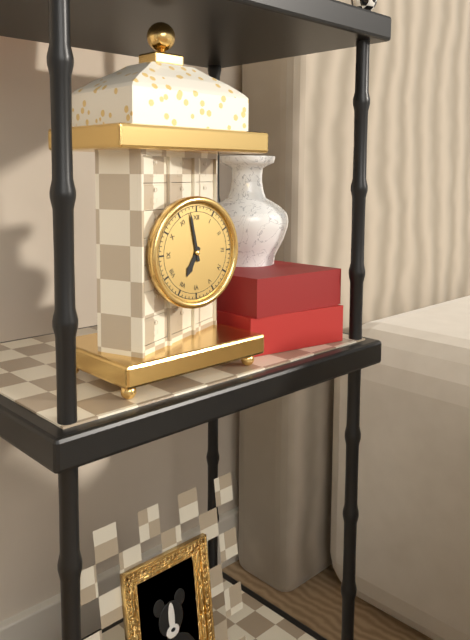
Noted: {"hour": 6, "minute": 58}
